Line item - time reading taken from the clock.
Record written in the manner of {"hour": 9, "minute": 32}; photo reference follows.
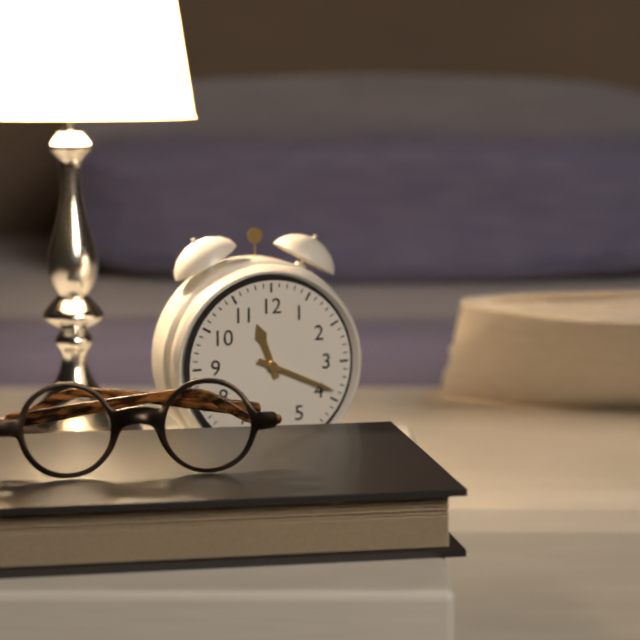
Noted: {"hour": 11, "minute": 19}
